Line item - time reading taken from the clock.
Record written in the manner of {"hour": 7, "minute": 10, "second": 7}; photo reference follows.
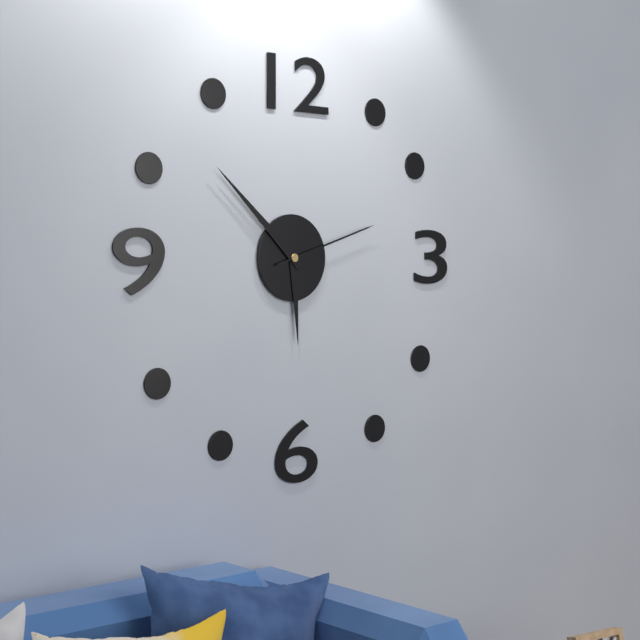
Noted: {"hour": 5, "minute": 52, "second": 12}
